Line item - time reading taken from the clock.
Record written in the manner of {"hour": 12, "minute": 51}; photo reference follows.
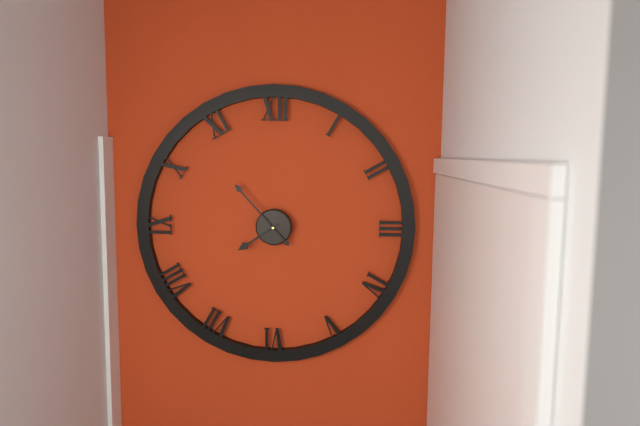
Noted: {"hour": 7, "minute": 53}
